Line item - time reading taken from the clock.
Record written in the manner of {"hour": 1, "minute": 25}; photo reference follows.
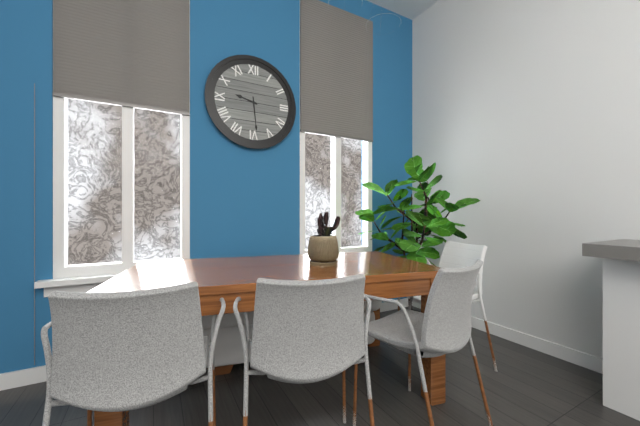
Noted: {"hour": 9, "minute": 29}
